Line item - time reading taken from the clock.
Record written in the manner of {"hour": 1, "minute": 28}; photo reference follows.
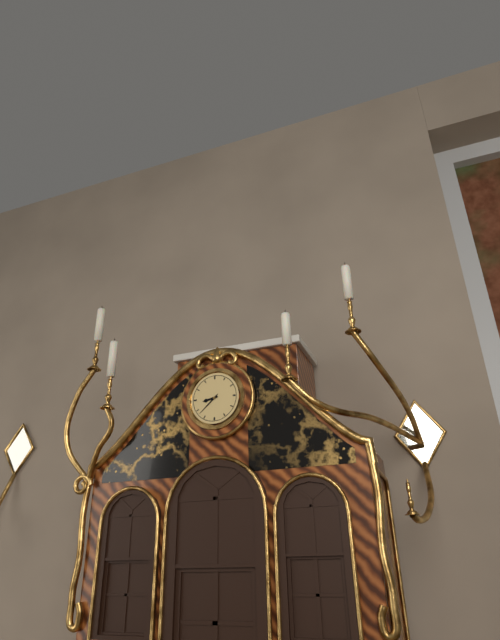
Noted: {"hour": 8, "minute": 38}
